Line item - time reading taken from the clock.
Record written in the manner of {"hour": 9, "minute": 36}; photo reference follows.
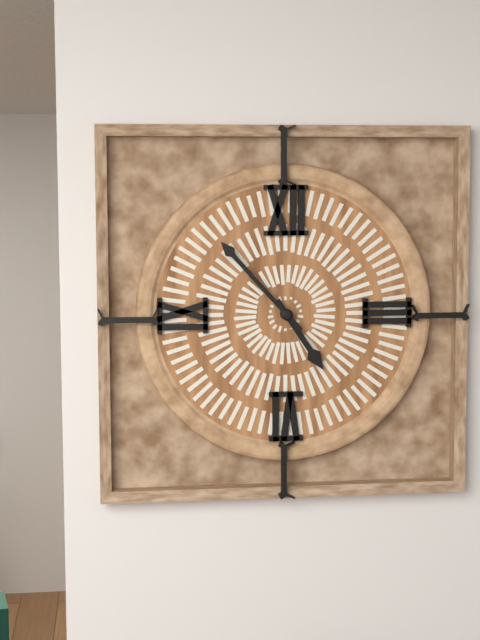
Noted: {"hour": 4, "minute": 53}
